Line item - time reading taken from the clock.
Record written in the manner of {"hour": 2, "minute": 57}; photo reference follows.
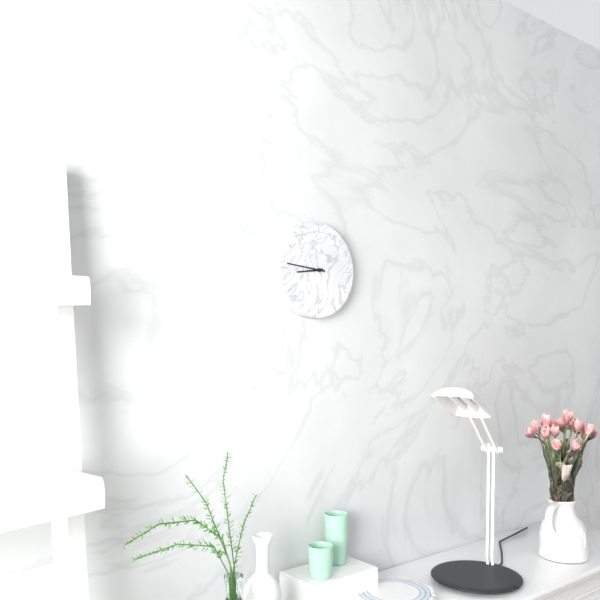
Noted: {"hour": 8, "minute": 46}
